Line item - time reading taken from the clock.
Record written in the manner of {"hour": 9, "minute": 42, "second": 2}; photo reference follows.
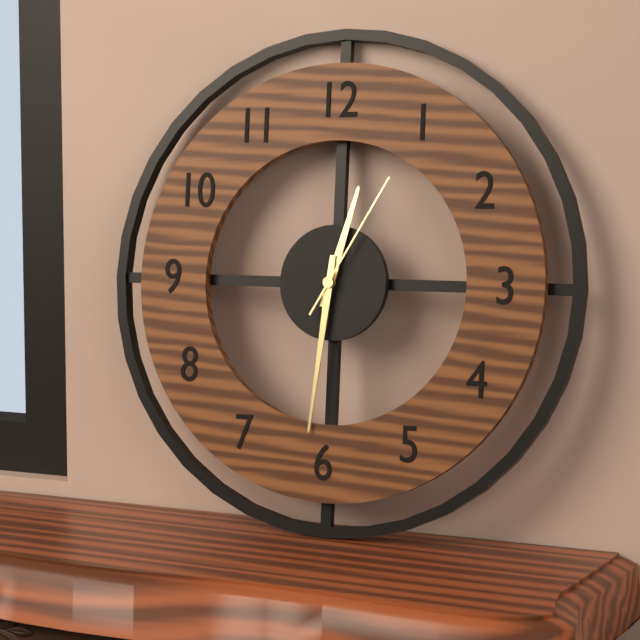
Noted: {"hour": 12, "minute": 31, "second": 5}
